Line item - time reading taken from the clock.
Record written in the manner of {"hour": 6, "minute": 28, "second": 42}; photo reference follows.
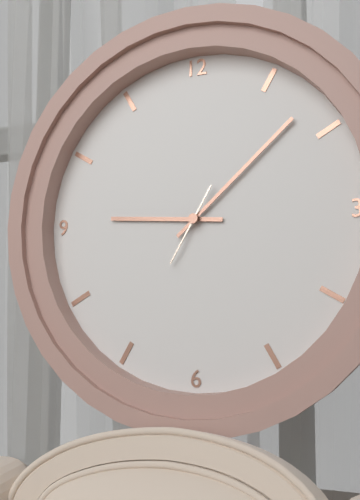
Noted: {"hour": 9, "minute": 8, "second": 35}
